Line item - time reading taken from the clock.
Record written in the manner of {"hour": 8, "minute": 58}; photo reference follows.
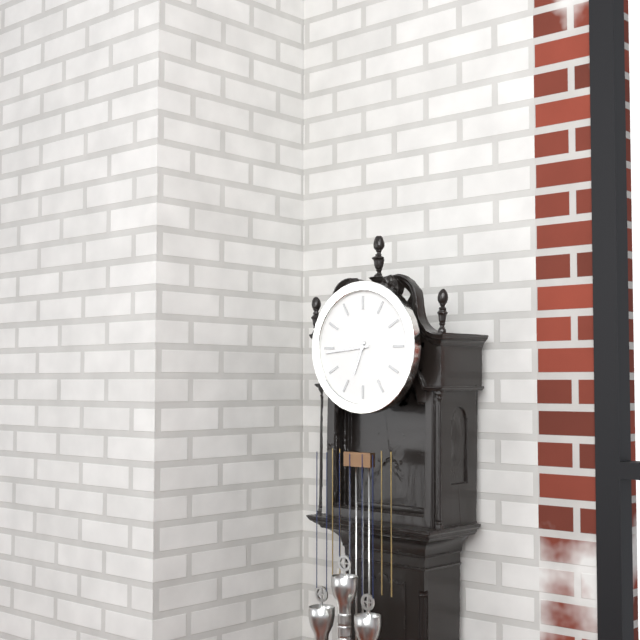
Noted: {"hour": 6, "minute": 44}
